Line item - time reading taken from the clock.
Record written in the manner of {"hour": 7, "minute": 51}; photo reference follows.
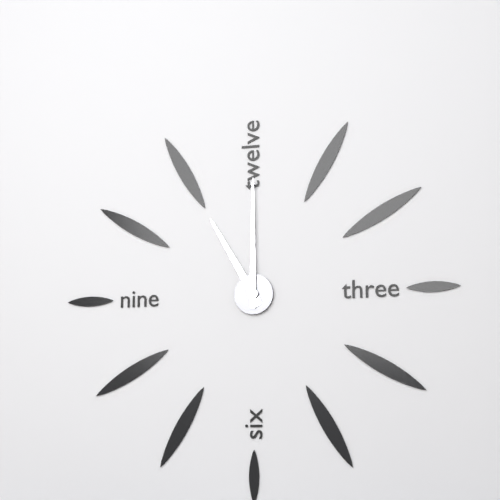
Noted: {"hour": 11, "minute": 0}
